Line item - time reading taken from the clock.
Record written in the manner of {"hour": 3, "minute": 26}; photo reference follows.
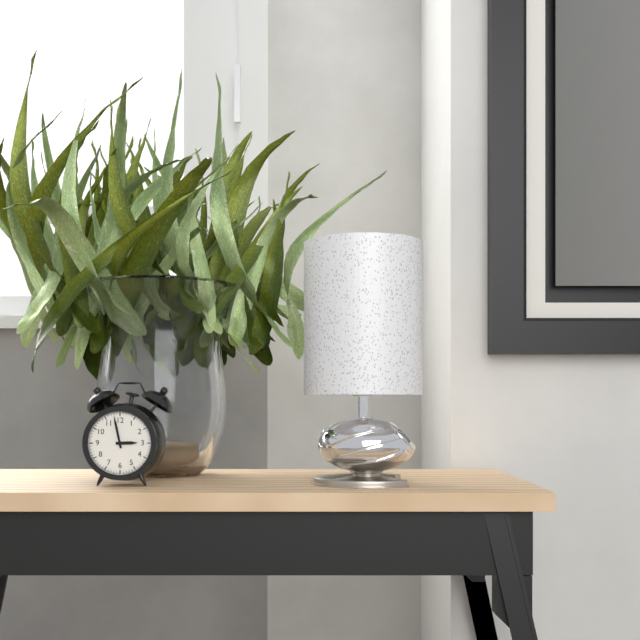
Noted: {"hour": 2, "minute": 58}
